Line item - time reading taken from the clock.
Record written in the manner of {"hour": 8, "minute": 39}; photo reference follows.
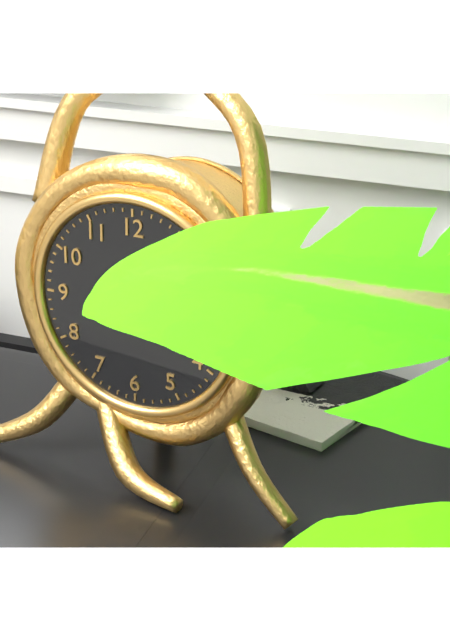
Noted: {"hour": 4, "minute": 11}
